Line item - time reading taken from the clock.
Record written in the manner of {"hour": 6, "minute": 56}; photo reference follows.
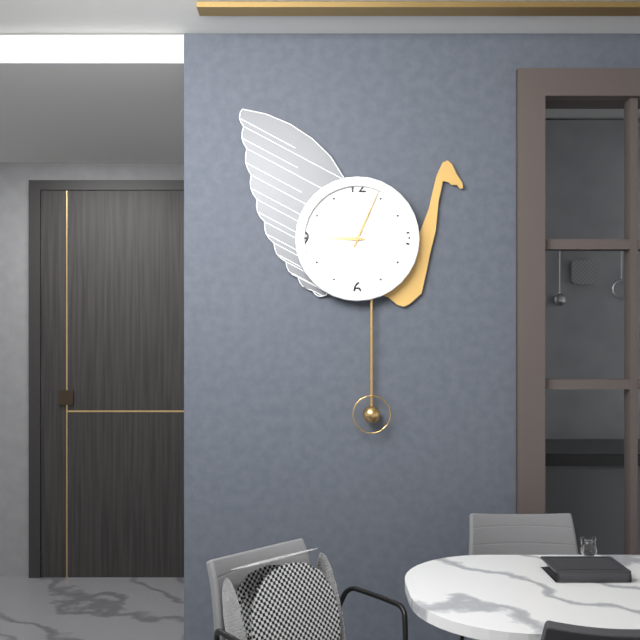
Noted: {"hour": 9, "minute": 4}
